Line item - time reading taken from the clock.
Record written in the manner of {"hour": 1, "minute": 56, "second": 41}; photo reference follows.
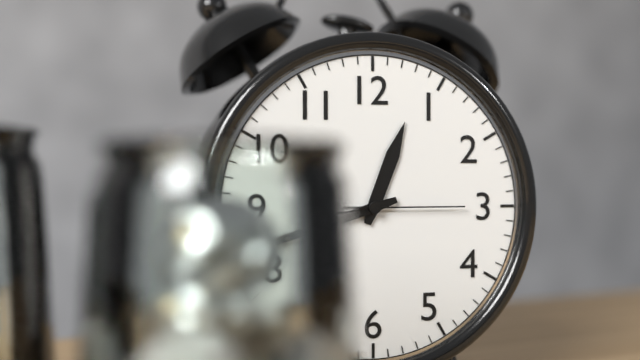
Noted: {"hour": 12, "minute": 42, "second": 15}
